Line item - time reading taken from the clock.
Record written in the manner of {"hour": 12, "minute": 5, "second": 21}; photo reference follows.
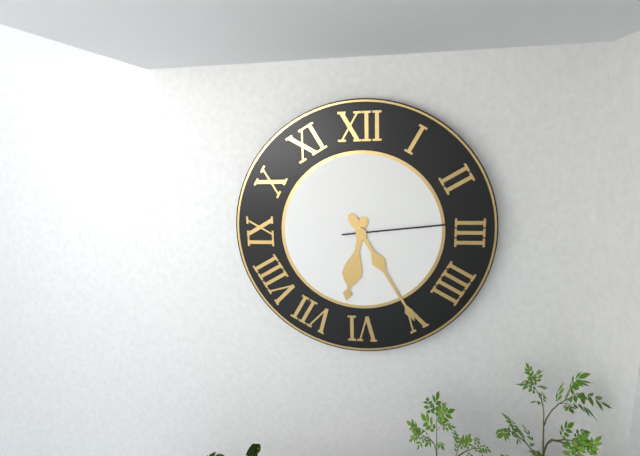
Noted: {"hour": 6, "minute": 25, "second": 14}
